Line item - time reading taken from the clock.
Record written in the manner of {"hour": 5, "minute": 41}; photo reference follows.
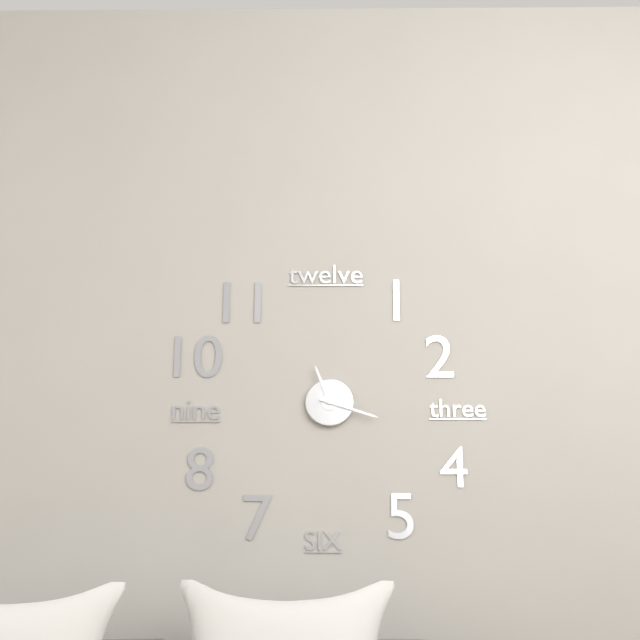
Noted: {"hour": 11, "minute": 18}
